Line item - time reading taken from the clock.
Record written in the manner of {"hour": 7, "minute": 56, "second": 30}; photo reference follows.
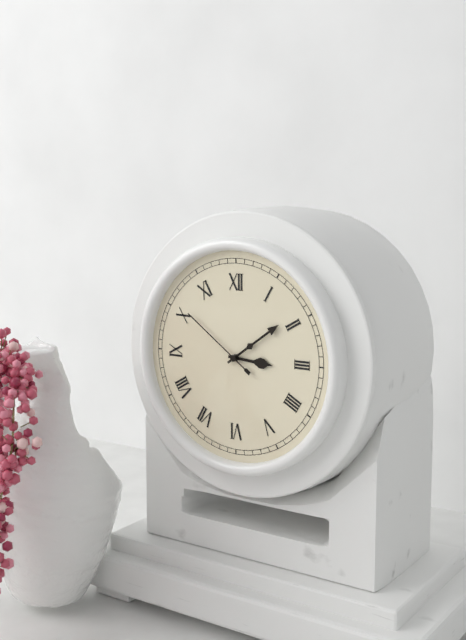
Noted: {"hour": 3, "minute": 9, "second": 51}
